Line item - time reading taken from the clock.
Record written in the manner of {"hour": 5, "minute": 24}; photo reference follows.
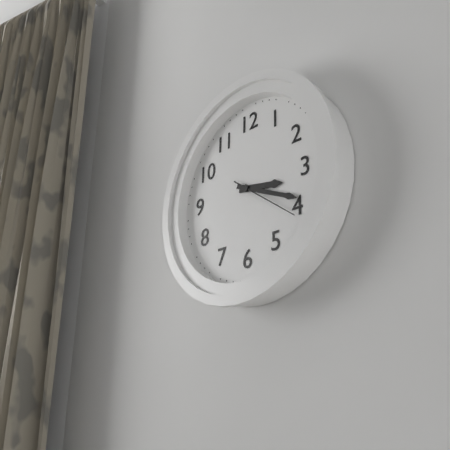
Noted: {"hour": 3, "minute": 19}
